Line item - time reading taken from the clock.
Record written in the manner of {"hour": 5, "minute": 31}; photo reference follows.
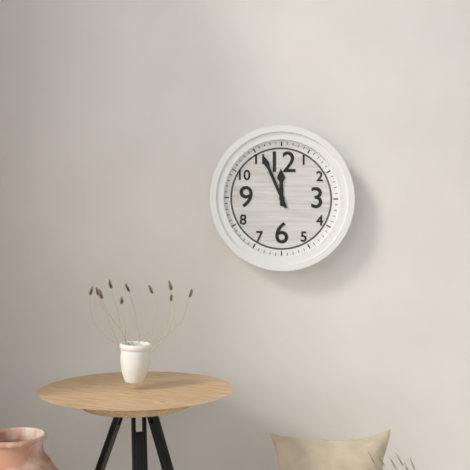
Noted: {"hour": 11, "minute": 56}
